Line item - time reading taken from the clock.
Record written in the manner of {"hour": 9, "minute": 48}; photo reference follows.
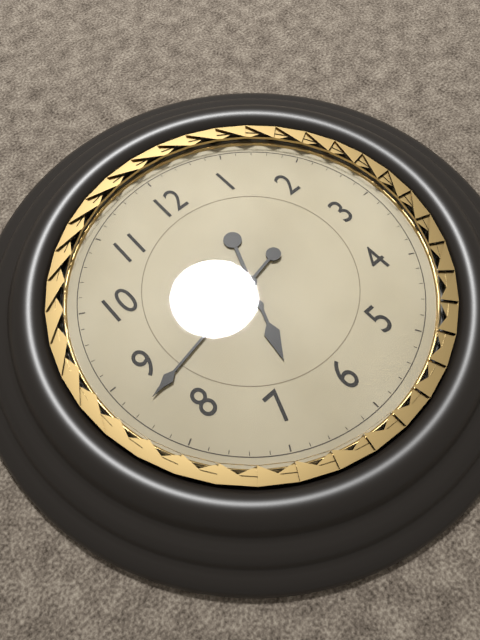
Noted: {"hour": 6, "minute": 43}
